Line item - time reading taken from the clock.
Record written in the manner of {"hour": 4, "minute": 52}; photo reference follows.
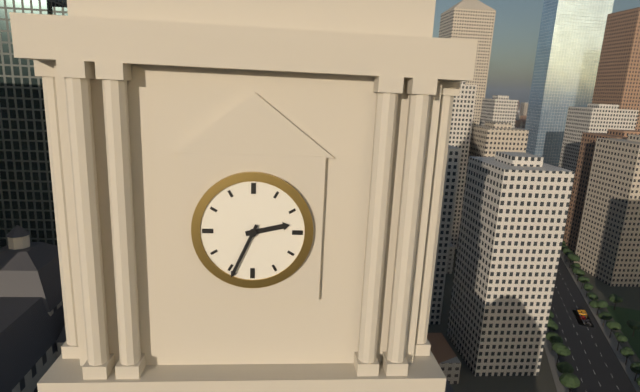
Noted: {"hour": 2, "minute": 34}
